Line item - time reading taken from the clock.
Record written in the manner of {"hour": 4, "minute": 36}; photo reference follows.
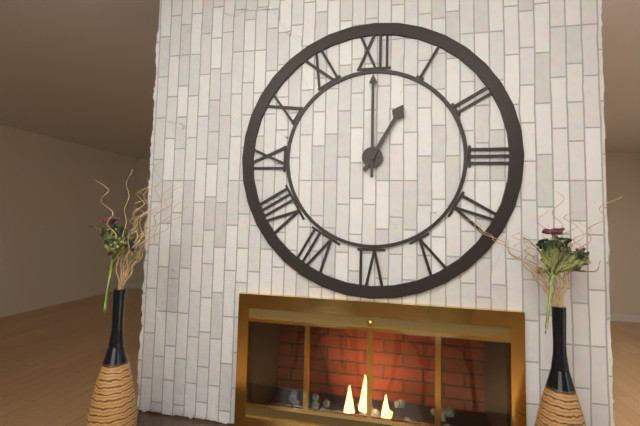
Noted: {"hour": 1, "minute": 0}
